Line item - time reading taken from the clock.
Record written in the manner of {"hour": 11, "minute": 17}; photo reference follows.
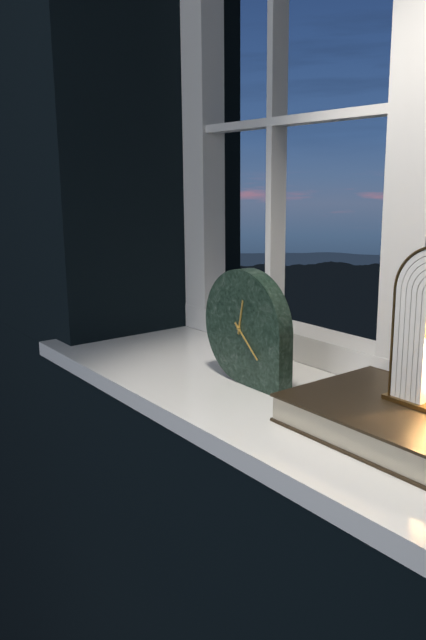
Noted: {"hour": 12, "minute": 22}
